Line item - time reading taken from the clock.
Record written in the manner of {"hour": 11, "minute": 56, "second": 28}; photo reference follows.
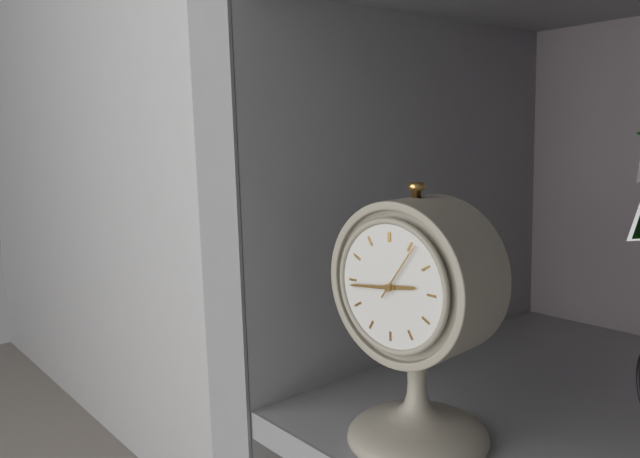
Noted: {"hour": 2, "minute": 44, "second": 6}
